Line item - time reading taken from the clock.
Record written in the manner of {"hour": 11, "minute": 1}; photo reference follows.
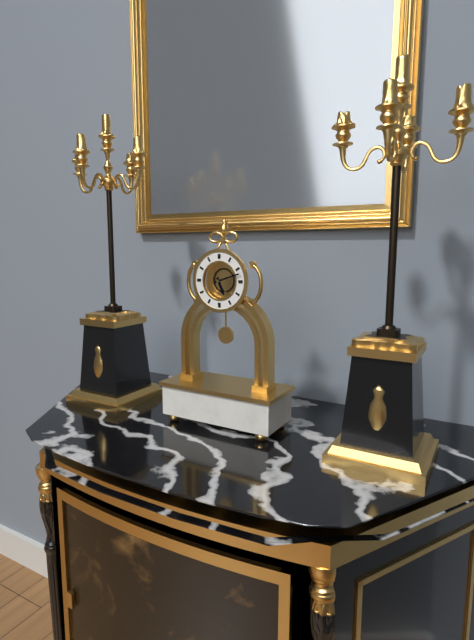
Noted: {"hour": 5, "minute": 12}
